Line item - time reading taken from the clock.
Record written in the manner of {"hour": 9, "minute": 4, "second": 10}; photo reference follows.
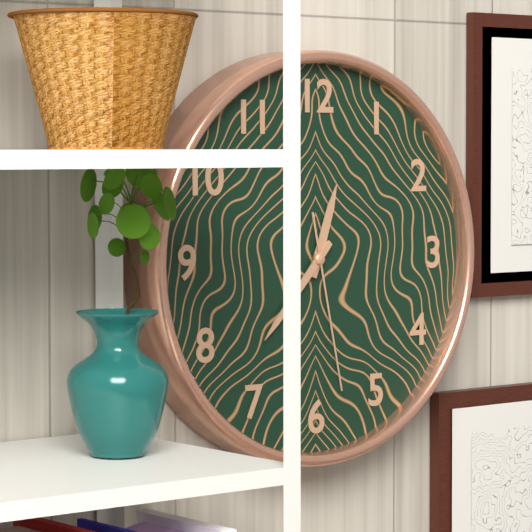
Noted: {"hour": 12, "minute": 37, "second": 28}
